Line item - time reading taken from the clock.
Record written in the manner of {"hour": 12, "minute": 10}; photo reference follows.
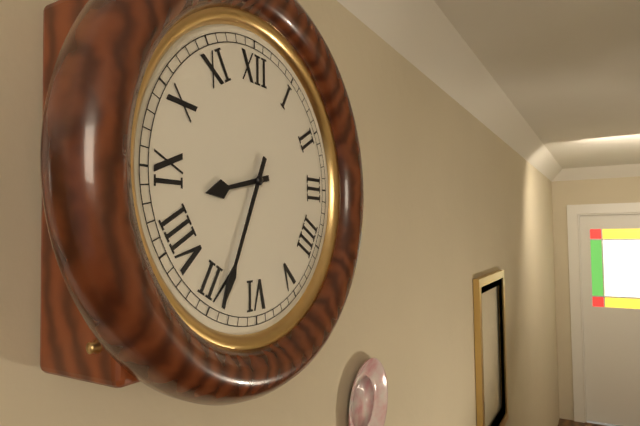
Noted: {"hour": 8, "minute": 34}
